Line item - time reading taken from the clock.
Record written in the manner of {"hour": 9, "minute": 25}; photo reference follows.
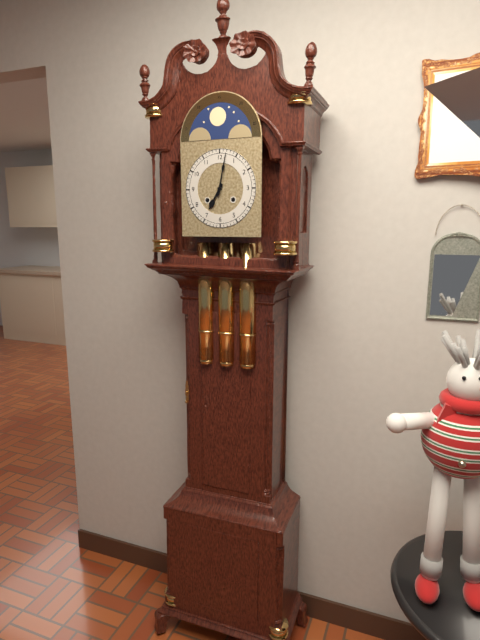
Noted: {"hour": 7, "minute": 2}
